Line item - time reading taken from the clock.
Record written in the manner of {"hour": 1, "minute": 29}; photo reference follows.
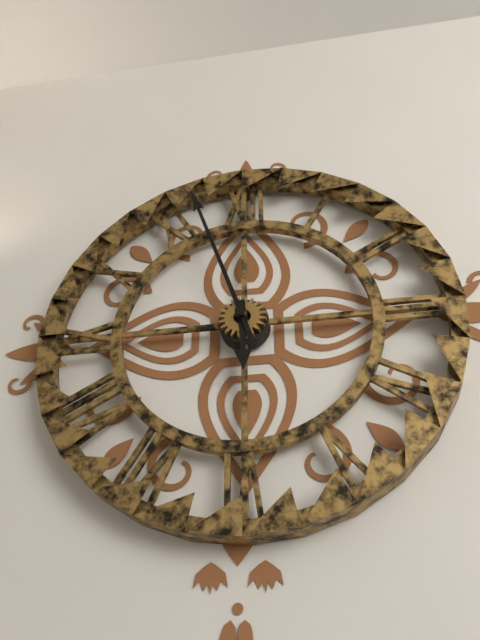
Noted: {"hour": 5, "minute": 57}
